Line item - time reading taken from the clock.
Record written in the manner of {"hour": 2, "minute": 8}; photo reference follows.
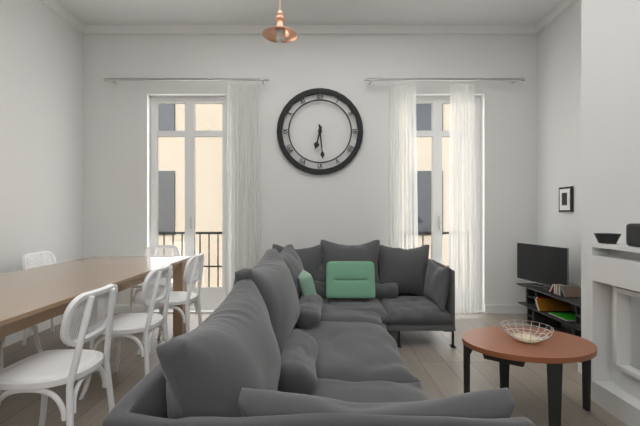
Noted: {"hour": 6, "minute": 29}
